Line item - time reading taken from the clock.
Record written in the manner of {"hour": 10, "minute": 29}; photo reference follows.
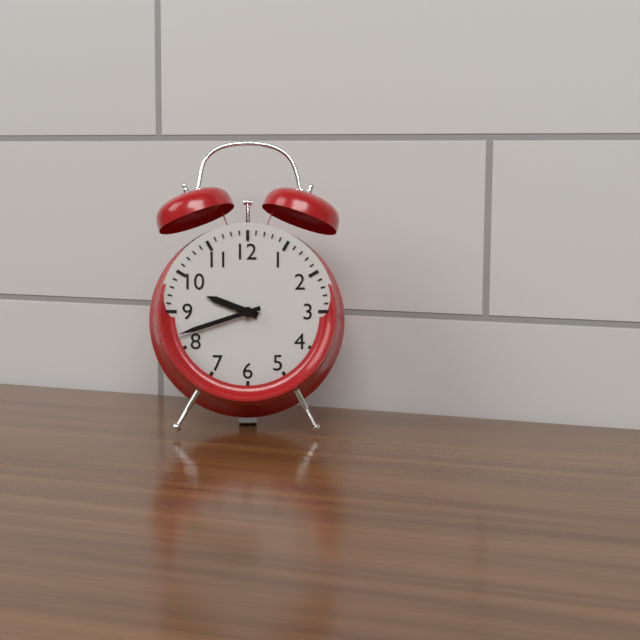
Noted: {"hour": 9, "minute": 42}
